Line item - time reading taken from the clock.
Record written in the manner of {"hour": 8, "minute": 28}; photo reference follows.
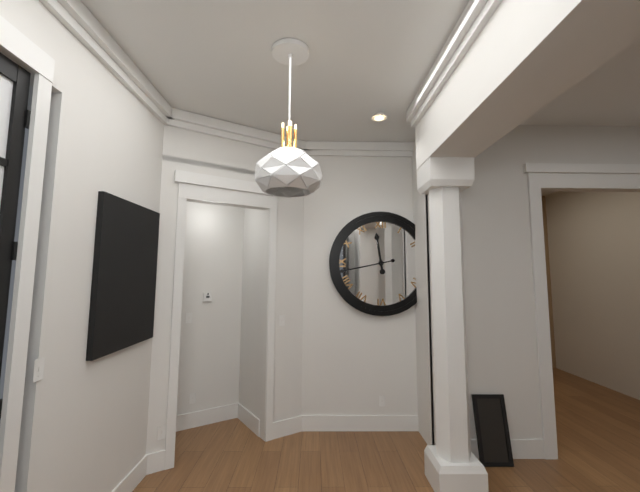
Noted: {"hour": 11, "minute": 43}
